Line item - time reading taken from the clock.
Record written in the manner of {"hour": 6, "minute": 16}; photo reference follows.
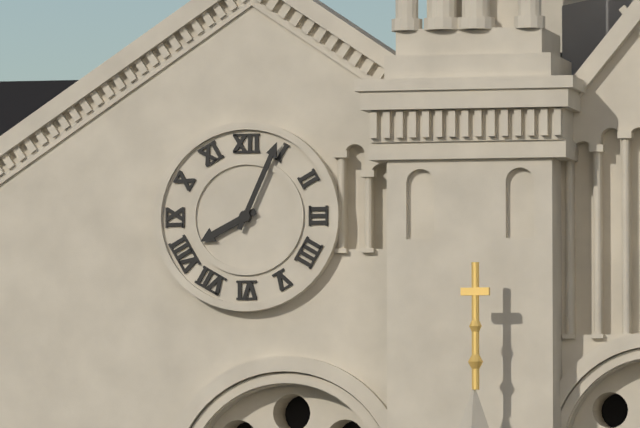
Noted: {"hour": 8, "minute": 4}
